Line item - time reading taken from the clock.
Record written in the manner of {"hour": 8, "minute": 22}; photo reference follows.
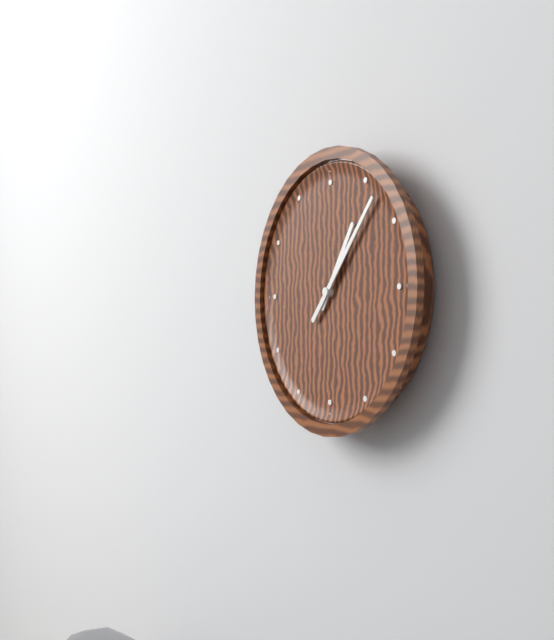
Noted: {"hour": 1, "minute": 7}
